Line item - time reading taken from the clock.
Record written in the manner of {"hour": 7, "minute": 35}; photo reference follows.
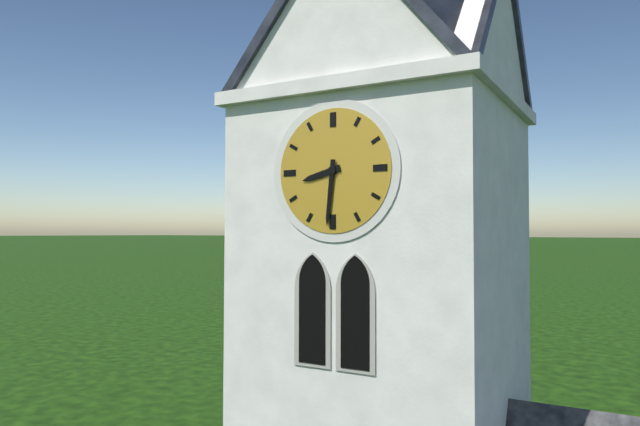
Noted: {"hour": 8, "minute": 31}
